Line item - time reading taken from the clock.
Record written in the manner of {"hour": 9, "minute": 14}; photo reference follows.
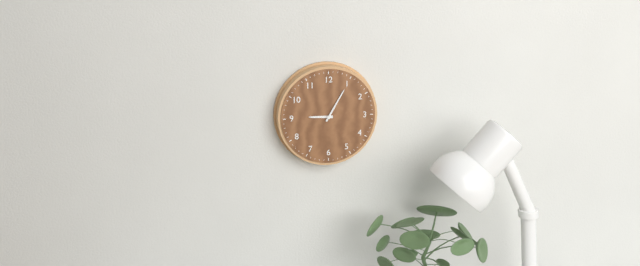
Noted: {"hour": 9, "minute": 5}
